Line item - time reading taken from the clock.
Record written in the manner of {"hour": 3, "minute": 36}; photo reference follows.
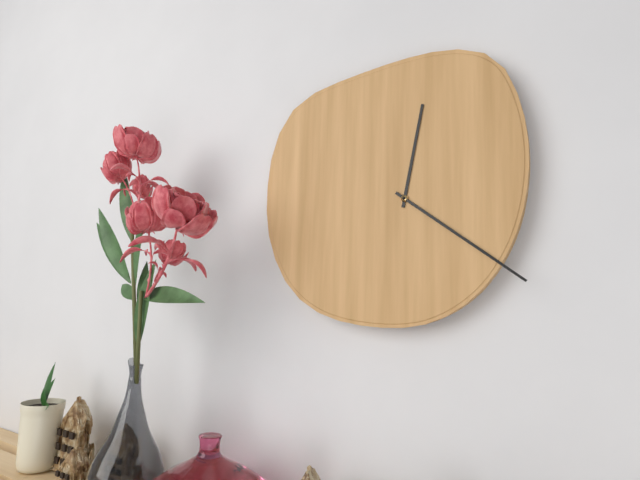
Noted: {"hour": 12, "minute": 21}
